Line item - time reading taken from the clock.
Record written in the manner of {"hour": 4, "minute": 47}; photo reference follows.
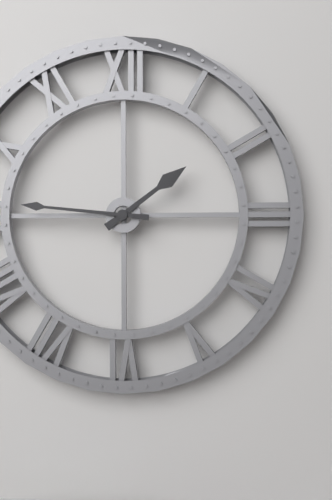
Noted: {"hour": 1, "minute": 46}
